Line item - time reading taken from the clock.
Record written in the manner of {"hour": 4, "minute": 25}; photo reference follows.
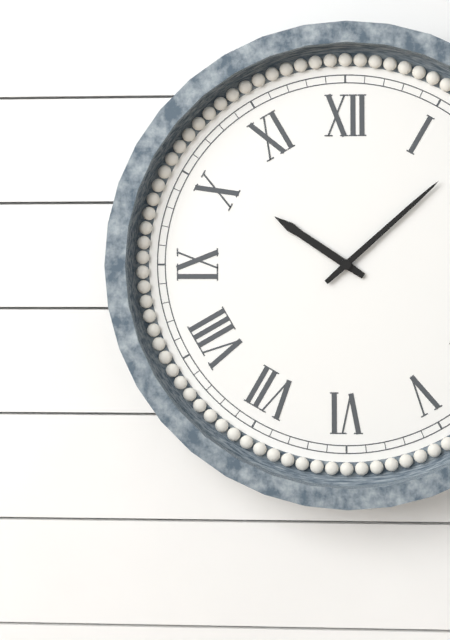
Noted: {"hour": 10, "minute": 8}
